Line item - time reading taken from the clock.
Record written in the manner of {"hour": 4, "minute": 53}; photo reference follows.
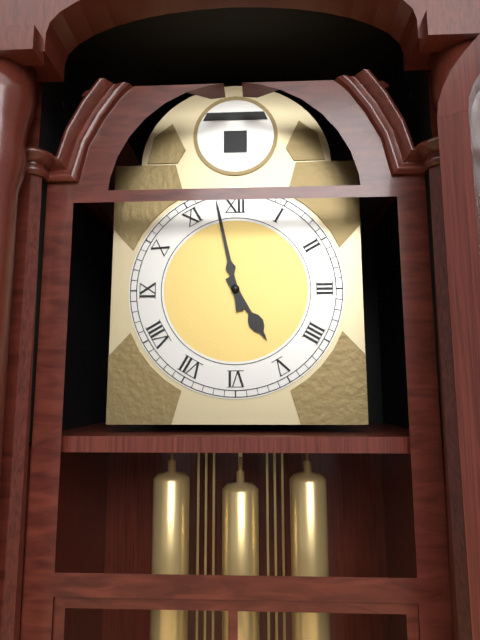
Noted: {"hour": 4, "minute": 58}
